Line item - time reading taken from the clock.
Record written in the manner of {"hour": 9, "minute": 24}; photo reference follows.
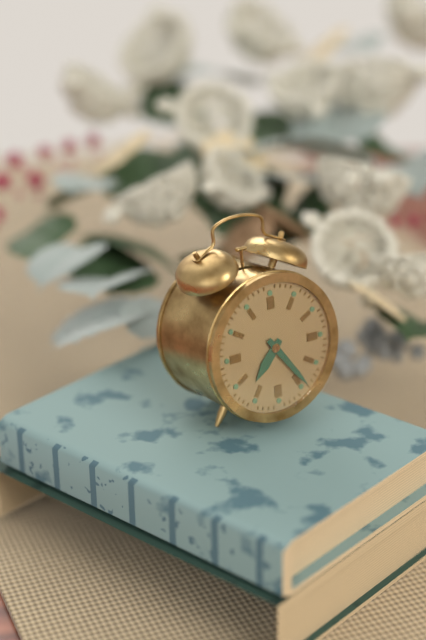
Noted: {"hour": 7, "minute": 24}
